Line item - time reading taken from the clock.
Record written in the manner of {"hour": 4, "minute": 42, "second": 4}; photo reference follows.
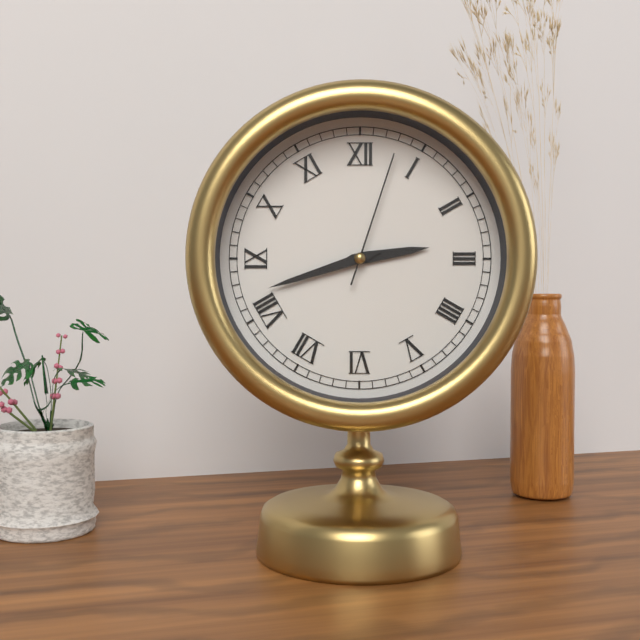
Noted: {"hour": 2, "minute": 42, "second": 3}
